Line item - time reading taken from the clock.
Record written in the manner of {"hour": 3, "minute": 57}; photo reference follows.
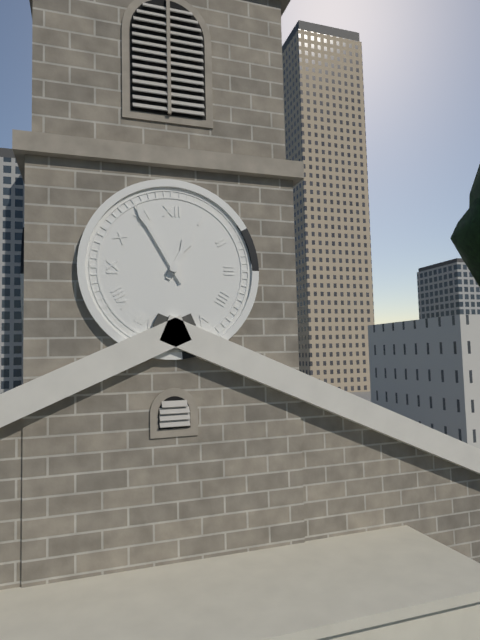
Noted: {"hour": 12, "minute": 55}
